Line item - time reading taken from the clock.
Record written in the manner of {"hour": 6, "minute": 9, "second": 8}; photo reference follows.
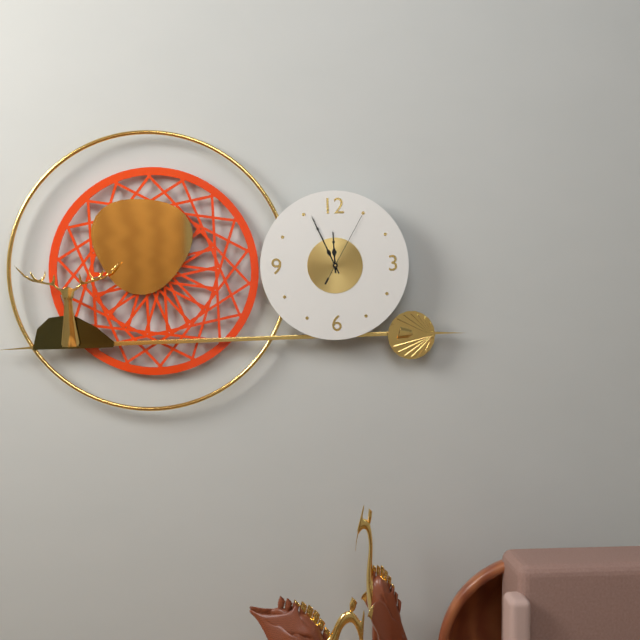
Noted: {"hour": 11, "minute": 56, "second": 5}
